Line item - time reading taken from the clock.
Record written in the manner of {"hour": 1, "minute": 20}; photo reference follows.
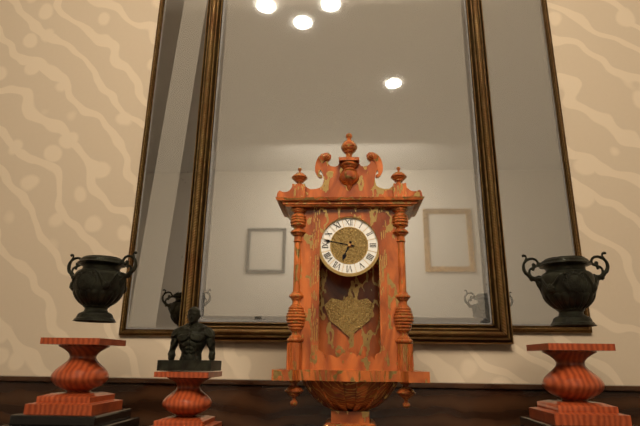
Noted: {"hour": 6, "minute": 47}
